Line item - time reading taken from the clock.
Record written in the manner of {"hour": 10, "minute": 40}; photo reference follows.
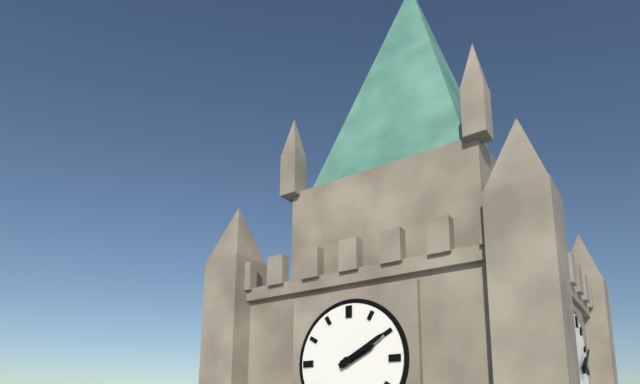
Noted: {"hour": 2, "minute": 10}
